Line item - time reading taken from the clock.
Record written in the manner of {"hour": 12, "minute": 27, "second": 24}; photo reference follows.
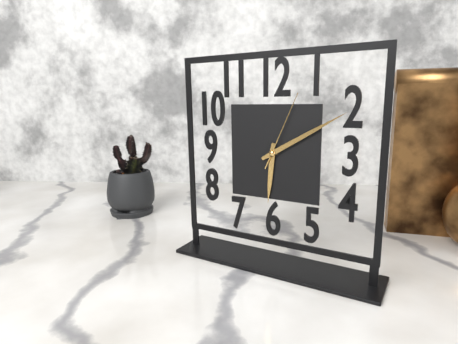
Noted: {"hour": 6, "minute": 10, "second": 4}
